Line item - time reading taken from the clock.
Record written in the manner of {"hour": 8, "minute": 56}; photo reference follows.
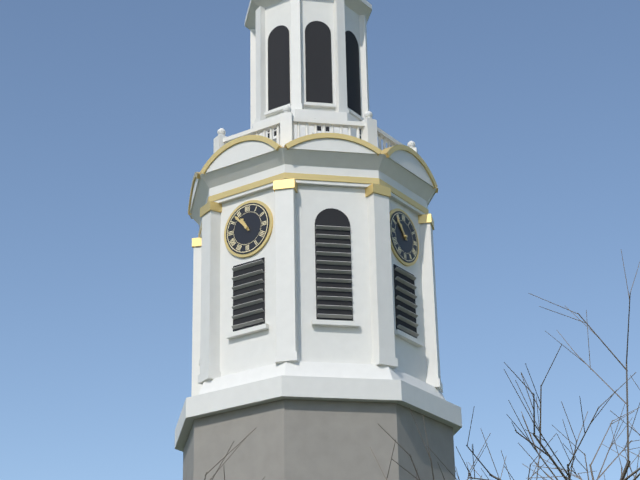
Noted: {"hour": 10, "minute": 53}
